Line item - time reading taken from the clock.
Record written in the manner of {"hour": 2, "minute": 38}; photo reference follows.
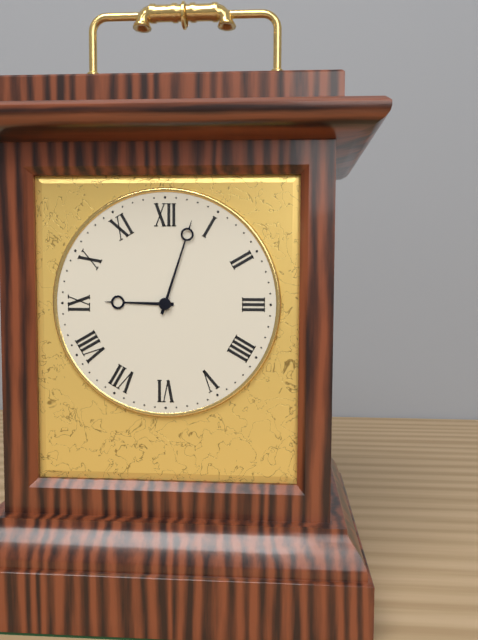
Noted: {"hour": 9, "minute": 3}
